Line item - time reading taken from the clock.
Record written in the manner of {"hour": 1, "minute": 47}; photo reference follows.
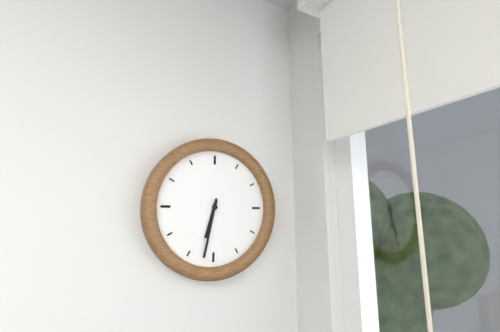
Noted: {"hour": 6, "minute": 32}
